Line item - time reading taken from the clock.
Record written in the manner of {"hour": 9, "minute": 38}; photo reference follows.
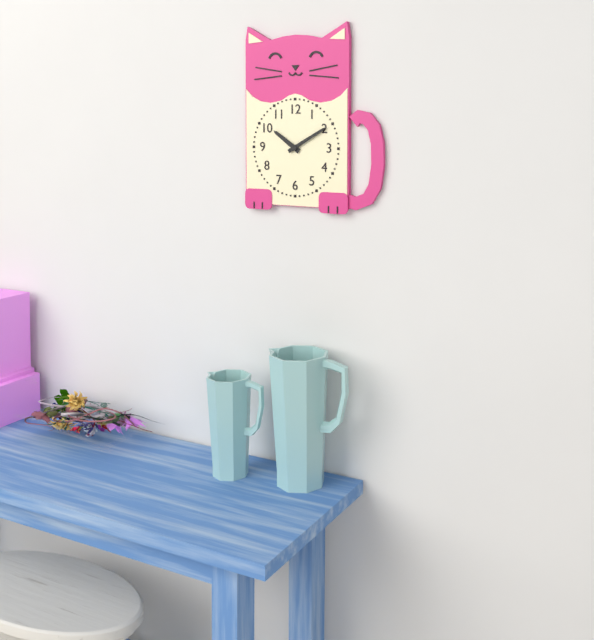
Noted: {"hour": 10, "minute": 10}
